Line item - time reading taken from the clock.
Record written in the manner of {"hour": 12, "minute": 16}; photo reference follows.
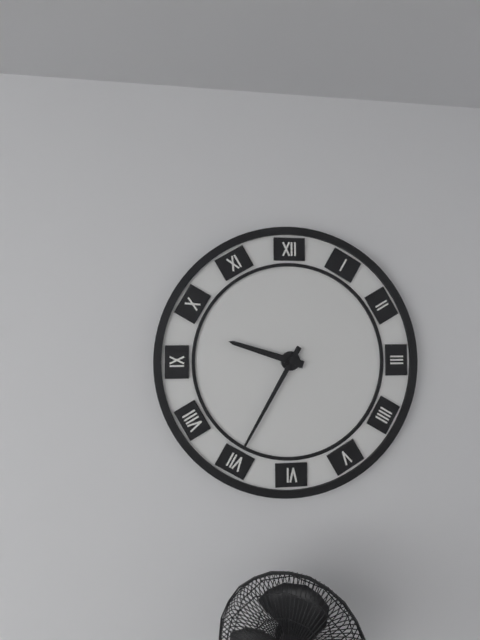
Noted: {"hour": 9, "minute": 35}
